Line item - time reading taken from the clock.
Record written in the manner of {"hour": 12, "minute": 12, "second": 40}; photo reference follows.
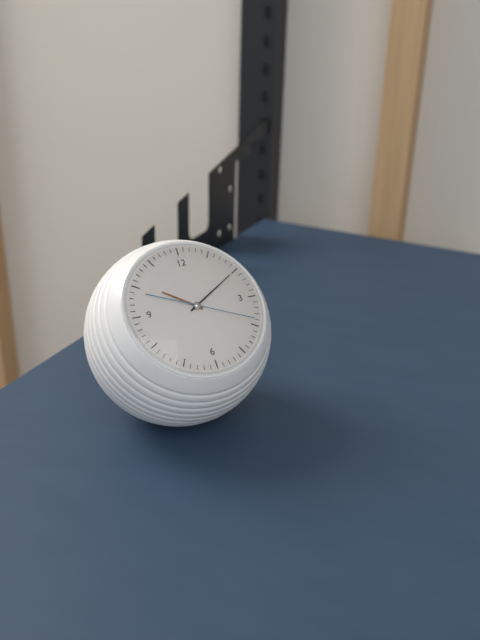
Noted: {"hour": 10, "minute": 10, "second": 19}
